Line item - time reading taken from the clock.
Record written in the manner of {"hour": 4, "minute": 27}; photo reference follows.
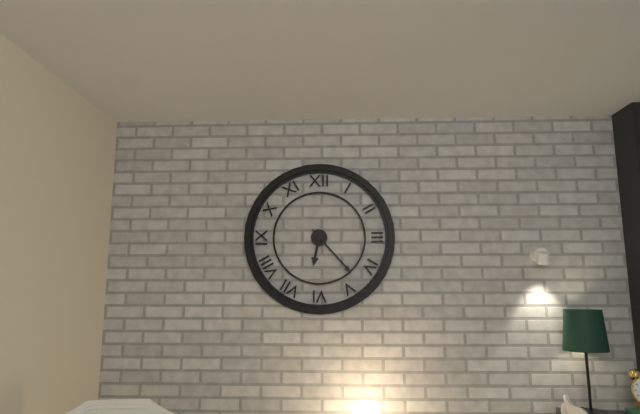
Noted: {"hour": 6, "minute": 23}
